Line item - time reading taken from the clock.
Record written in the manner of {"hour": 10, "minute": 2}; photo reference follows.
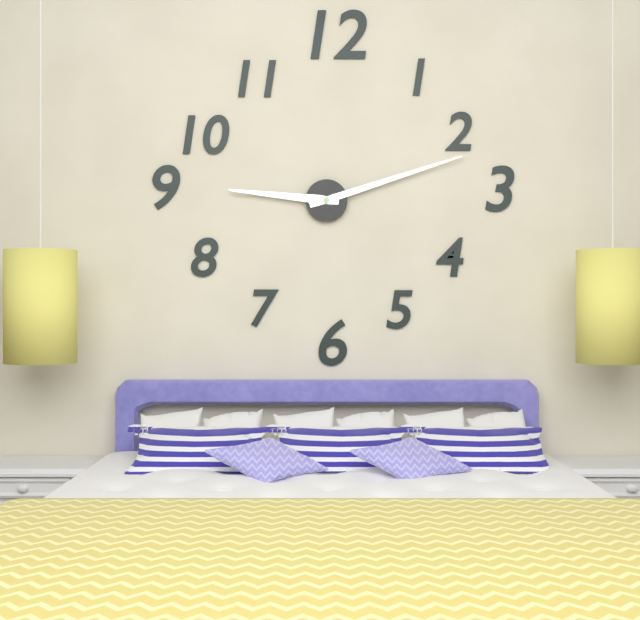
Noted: {"hour": 9, "minute": 12}
